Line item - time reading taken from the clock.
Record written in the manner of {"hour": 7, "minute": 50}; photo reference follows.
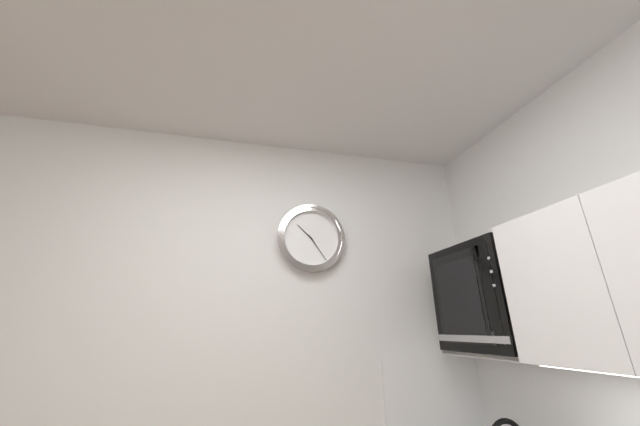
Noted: {"hour": 10, "minute": 24}
